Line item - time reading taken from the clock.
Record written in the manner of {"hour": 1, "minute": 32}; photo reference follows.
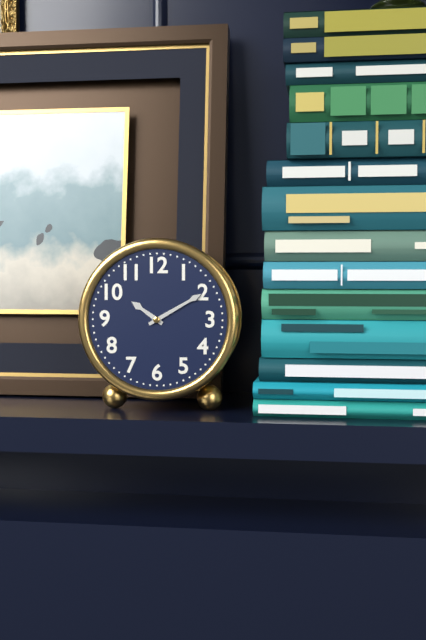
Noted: {"hour": 10, "minute": 10}
